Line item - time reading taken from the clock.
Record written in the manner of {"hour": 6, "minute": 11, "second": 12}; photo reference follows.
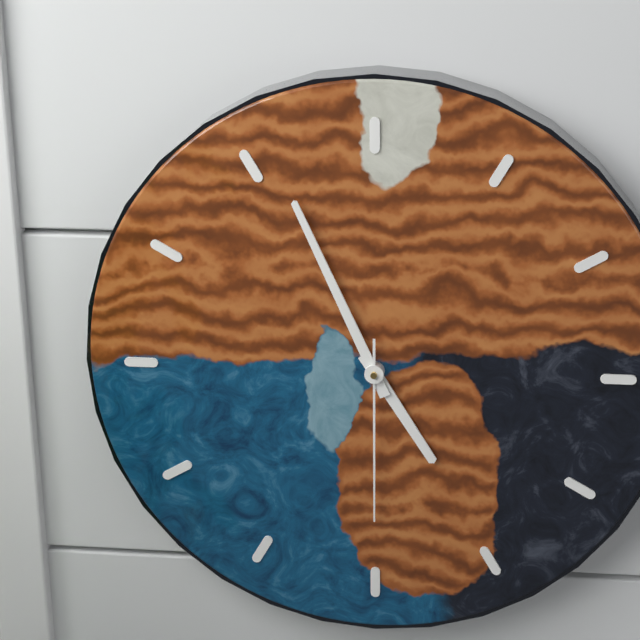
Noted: {"hour": 4, "minute": 56, "second": 30}
